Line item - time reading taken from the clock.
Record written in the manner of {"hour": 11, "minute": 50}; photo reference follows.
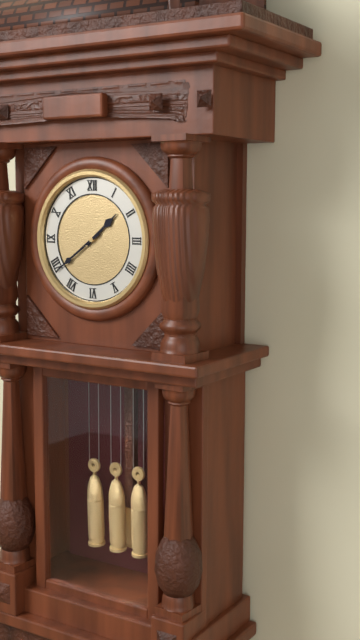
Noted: {"hour": 1, "minute": 39}
